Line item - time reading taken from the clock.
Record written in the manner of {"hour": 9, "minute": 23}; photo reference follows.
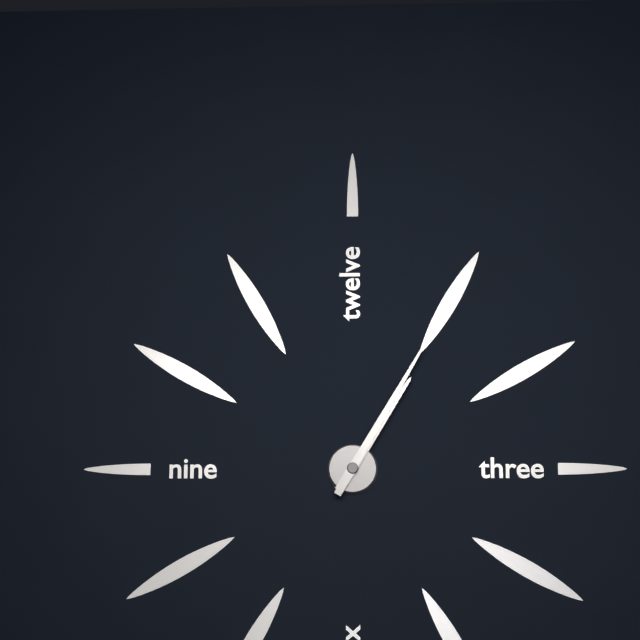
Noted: {"hour": 1, "minute": 5}
